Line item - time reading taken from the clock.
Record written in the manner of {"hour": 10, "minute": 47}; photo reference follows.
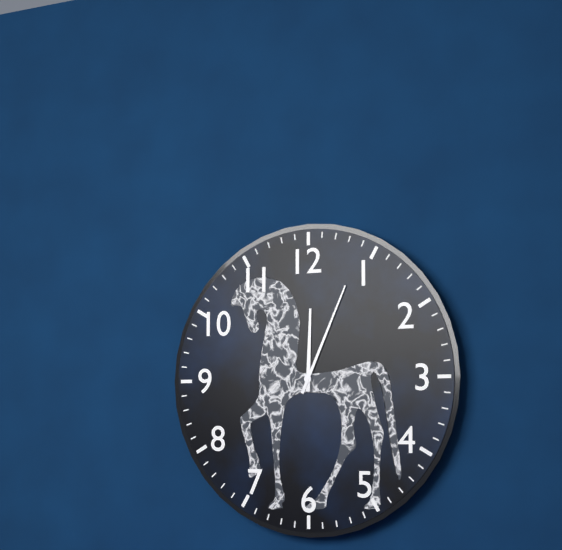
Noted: {"hour": 12, "minute": 4}
